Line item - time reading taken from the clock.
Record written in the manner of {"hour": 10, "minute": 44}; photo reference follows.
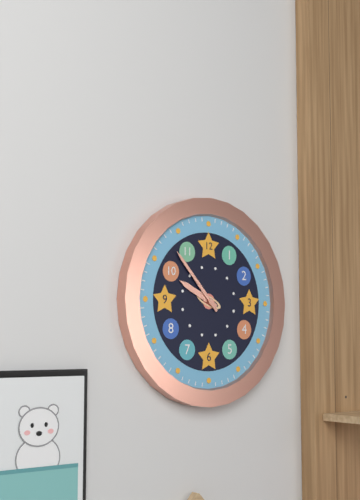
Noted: {"hour": 9, "minute": 53}
